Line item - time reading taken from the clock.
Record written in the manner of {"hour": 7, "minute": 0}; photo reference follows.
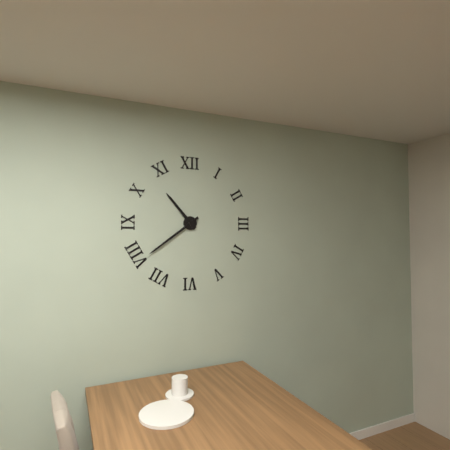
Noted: {"hour": 10, "minute": 39}
